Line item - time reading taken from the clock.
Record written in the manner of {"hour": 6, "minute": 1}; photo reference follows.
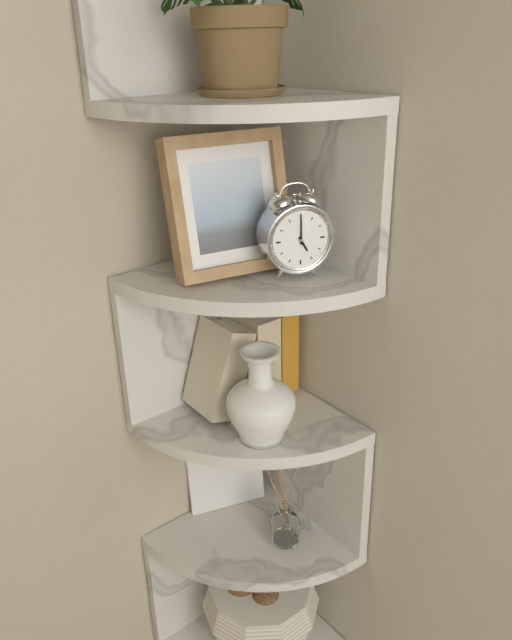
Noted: {"hour": 5, "minute": 0}
